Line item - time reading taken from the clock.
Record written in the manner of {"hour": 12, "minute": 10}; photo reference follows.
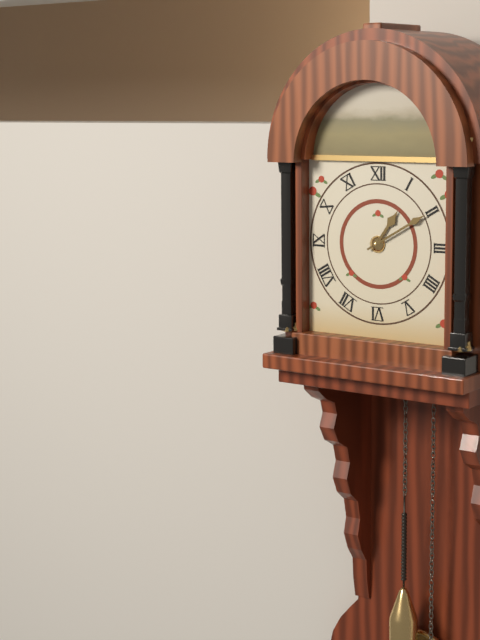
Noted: {"hour": 1, "minute": 10}
